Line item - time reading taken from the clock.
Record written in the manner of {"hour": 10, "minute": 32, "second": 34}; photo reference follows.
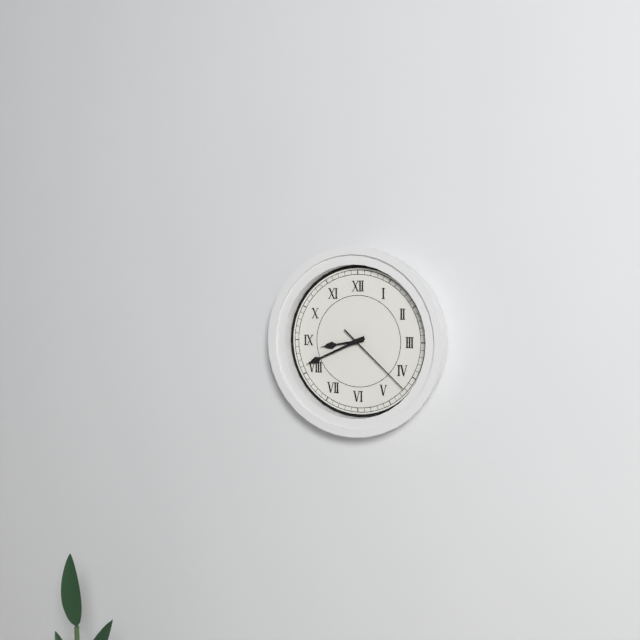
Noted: {"hour": 8, "minute": 41, "second": 22}
